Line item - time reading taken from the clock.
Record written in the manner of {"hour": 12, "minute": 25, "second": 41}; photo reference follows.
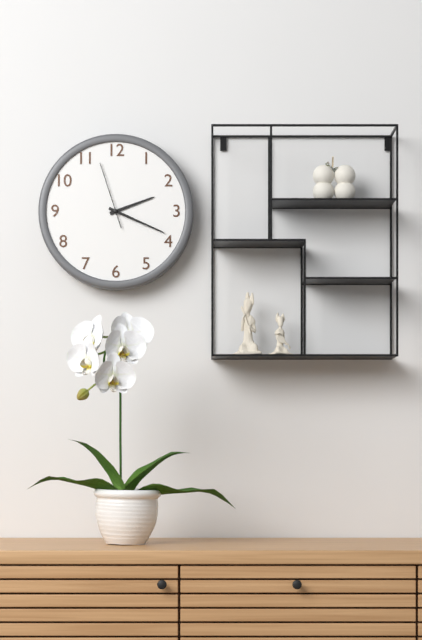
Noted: {"hour": 2, "minute": 19, "second": 57}
